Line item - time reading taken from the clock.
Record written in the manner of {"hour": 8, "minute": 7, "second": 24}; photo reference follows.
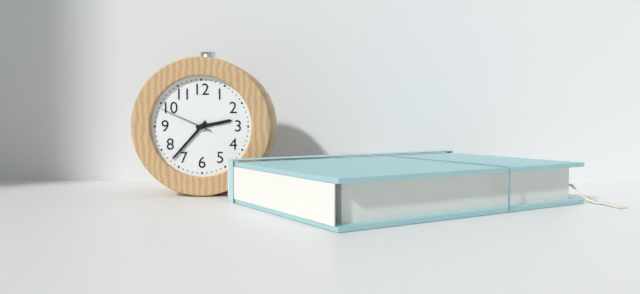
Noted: {"hour": 2, "minute": 37, "second": 49}
